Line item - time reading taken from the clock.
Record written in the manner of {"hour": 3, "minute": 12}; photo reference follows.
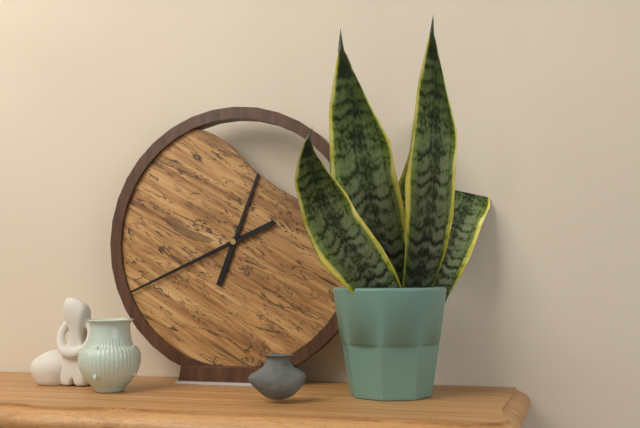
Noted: {"hour": 12, "minute": 41}
